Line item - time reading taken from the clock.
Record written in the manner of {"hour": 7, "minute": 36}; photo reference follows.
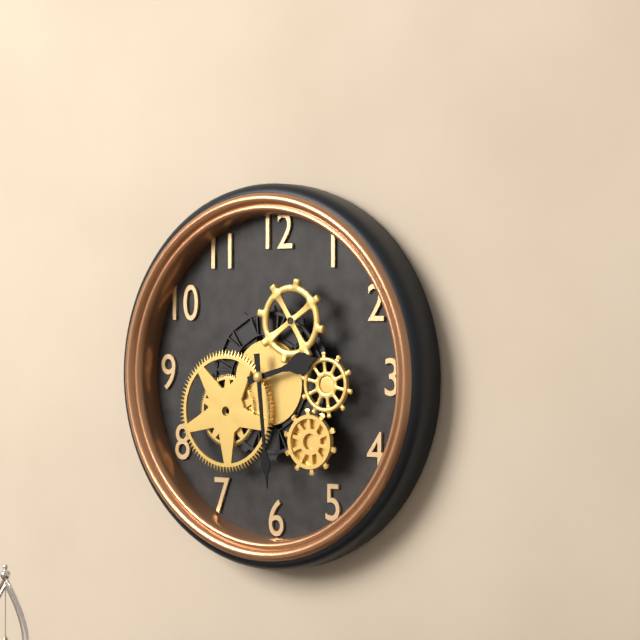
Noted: {"hour": 2, "minute": 29}
